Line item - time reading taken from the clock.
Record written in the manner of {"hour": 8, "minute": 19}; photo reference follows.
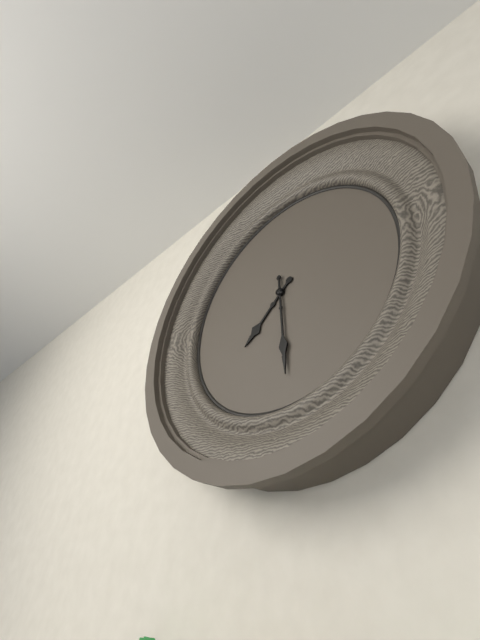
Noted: {"hour": 7, "minute": 29}
